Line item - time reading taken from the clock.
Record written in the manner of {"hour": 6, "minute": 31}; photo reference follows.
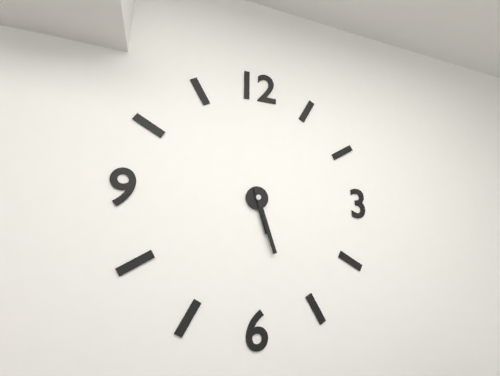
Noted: {"hour": 5, "minute": 27}
